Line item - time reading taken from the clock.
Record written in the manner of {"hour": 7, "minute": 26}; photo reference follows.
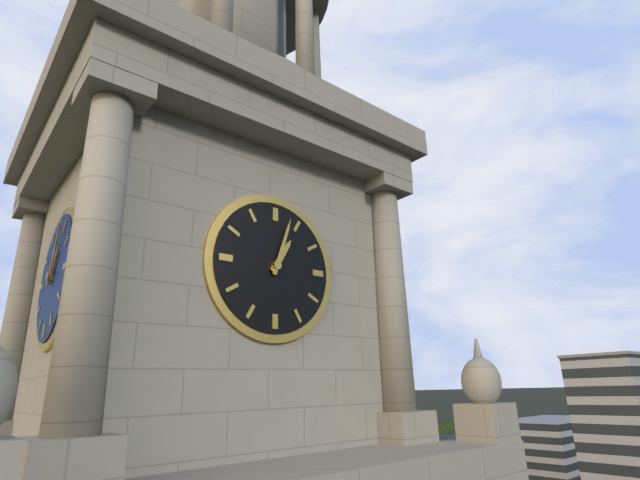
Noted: {"hour": 1, "minute": 3}
